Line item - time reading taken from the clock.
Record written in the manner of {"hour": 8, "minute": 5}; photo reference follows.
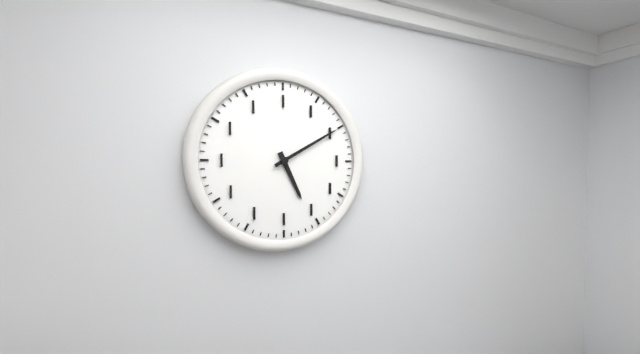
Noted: {"hour": 5, "minute": 10}
